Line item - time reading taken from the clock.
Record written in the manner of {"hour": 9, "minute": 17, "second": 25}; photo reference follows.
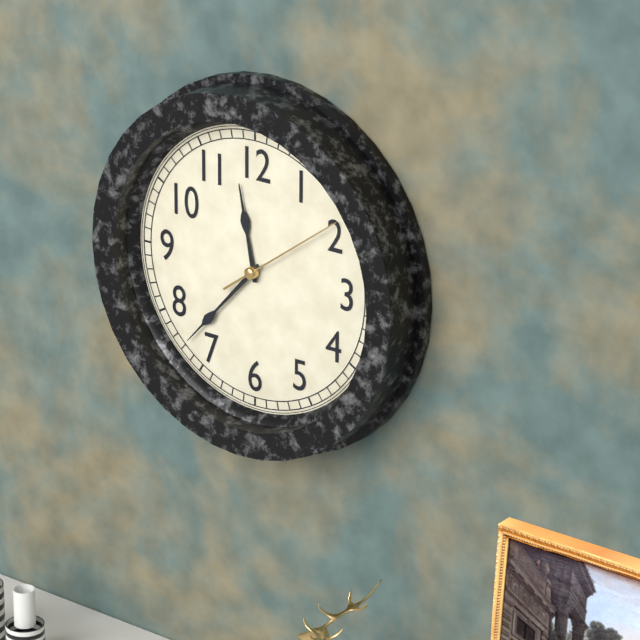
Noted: {"hour": 11, "minute": 37, "second": 9}
